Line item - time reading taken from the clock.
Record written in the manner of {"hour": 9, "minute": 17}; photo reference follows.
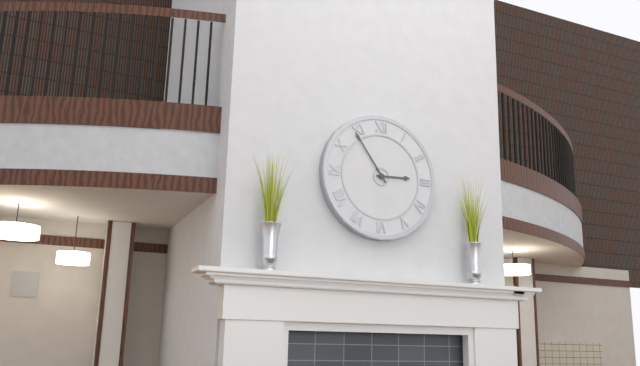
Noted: {"hour": 2, "minute": 54}
